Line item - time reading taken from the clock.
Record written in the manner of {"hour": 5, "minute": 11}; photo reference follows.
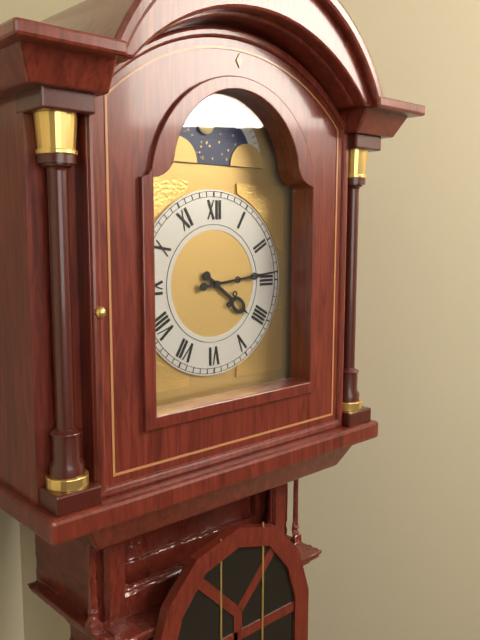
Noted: {"hour": 4, "minute": 14}
